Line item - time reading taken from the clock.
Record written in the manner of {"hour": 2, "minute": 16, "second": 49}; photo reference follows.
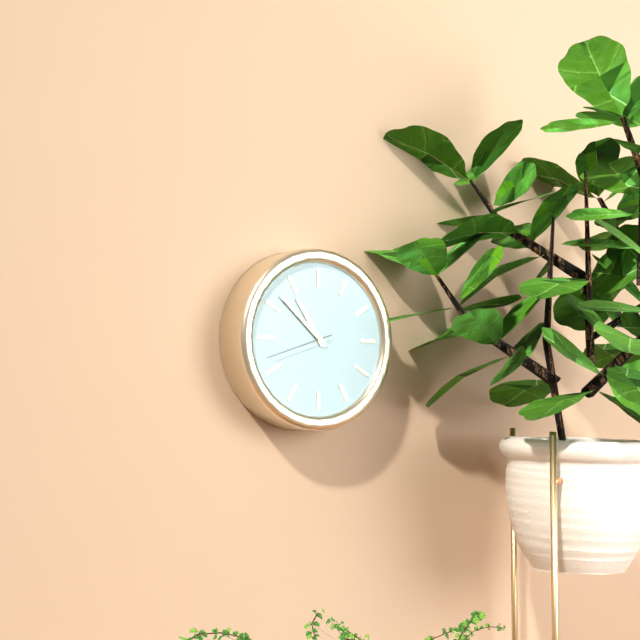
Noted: {"hour": 10, "minute": 52, "second": 42}
